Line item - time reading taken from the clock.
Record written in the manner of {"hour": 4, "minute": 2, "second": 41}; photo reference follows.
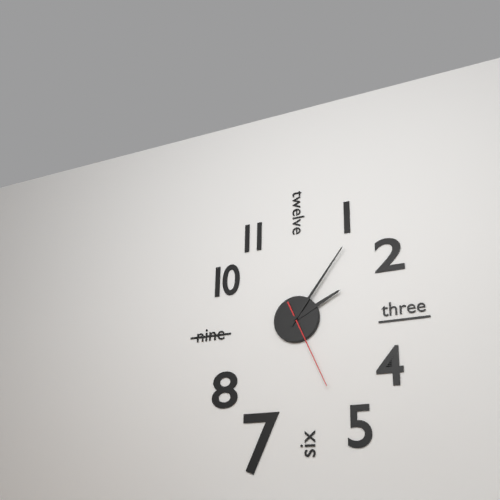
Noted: {"hour": 2, "minute": 6, "second": 26}
